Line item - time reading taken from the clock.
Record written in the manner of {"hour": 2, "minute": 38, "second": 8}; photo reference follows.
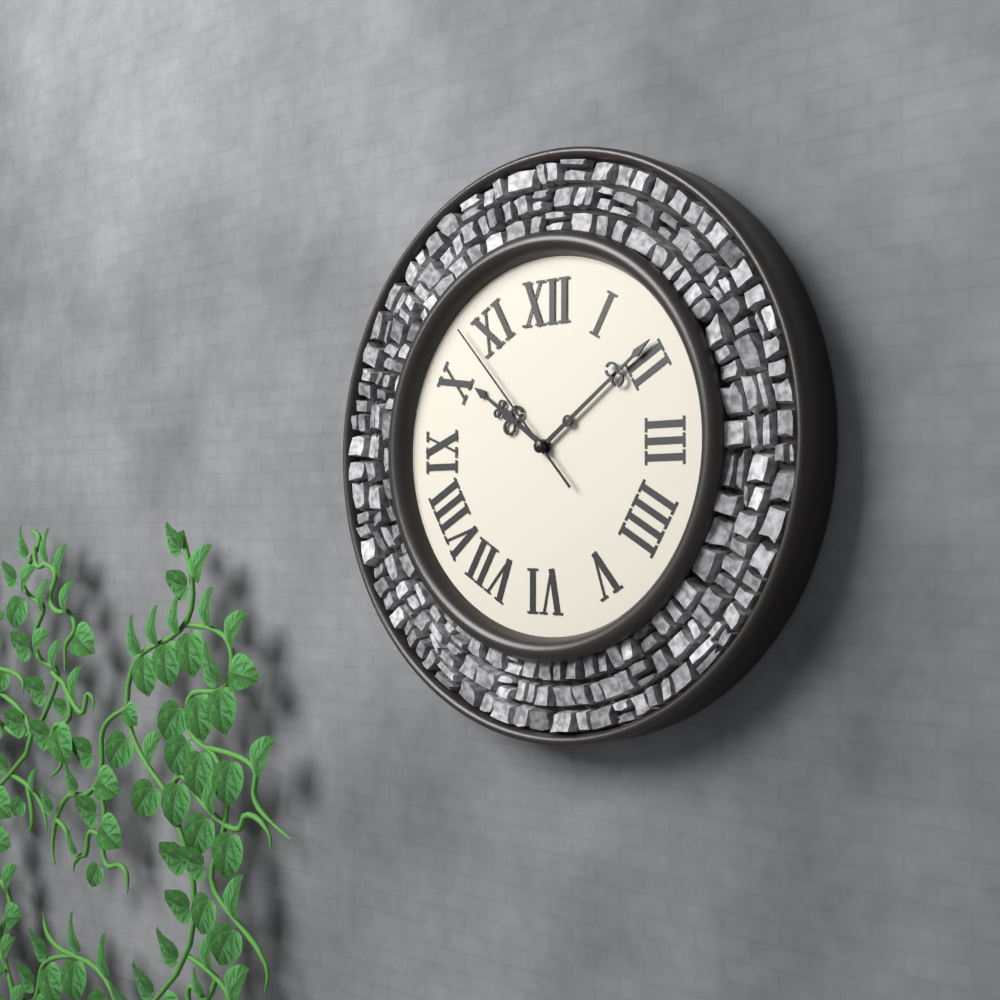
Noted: {"hour": 10, "minute": 9, "second": 53}
